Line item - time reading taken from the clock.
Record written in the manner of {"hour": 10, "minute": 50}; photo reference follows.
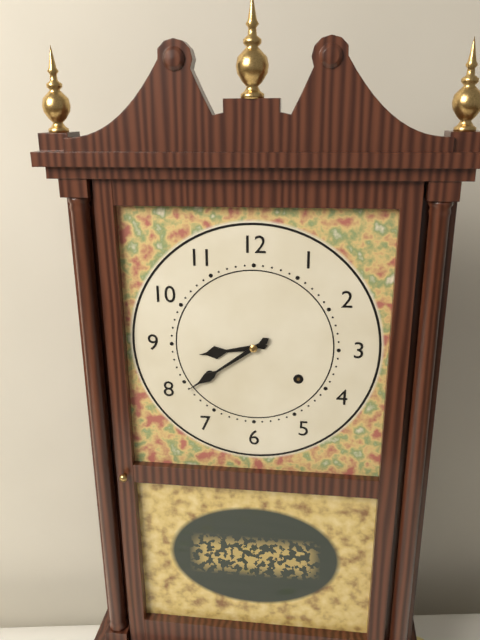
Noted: {"hour": 8, "minute": 39}
